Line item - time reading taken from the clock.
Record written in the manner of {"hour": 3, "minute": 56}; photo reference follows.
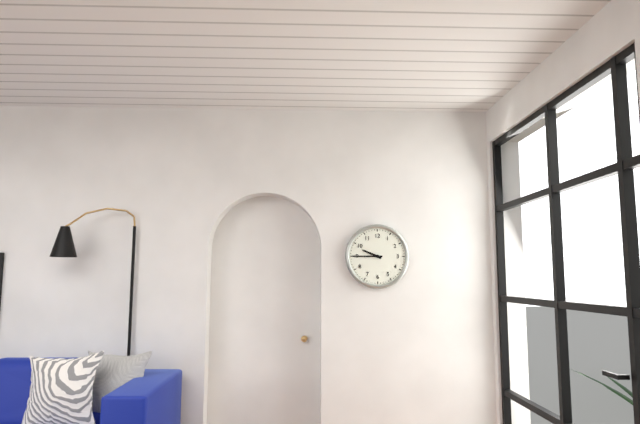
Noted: {"hour": 9, "minute": 45}
